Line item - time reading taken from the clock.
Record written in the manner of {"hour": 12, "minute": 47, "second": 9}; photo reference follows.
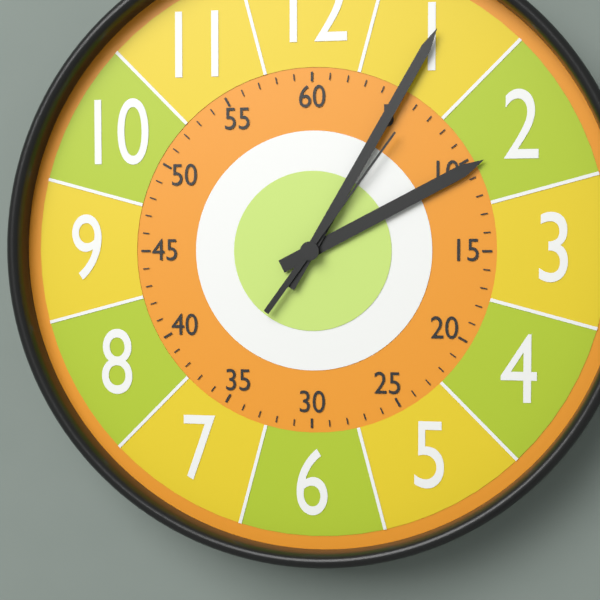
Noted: {"hour": 2, "minute": 5, "second": 6}
